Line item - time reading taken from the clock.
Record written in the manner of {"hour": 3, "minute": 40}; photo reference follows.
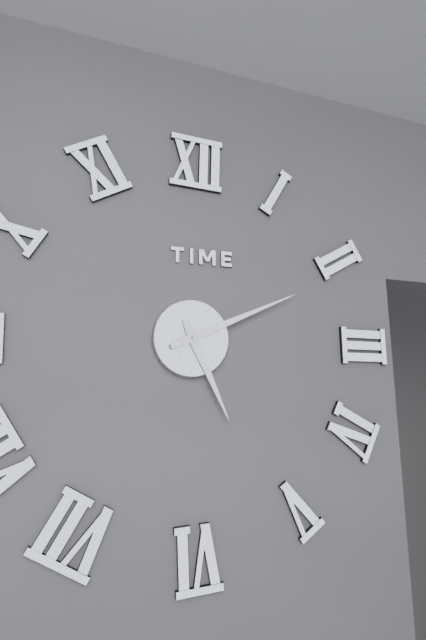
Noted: {"hour": 5, "minute": 11}
